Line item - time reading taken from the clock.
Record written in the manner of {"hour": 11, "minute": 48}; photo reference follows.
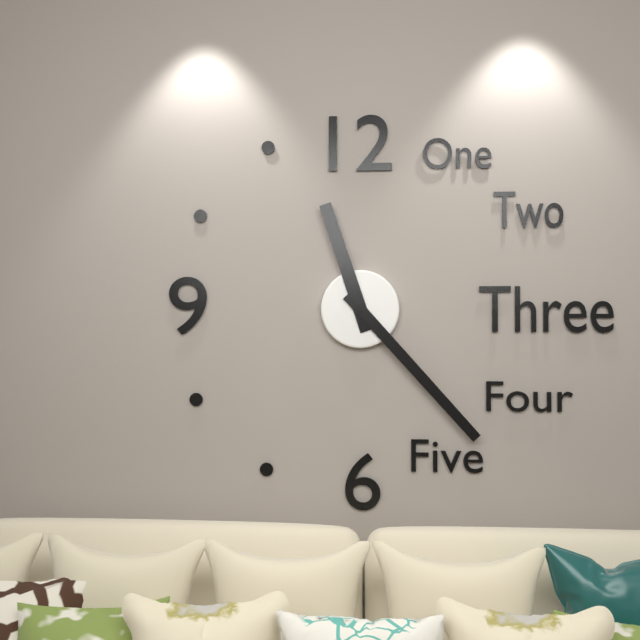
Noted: {"hour": 11, "minute": 23}
